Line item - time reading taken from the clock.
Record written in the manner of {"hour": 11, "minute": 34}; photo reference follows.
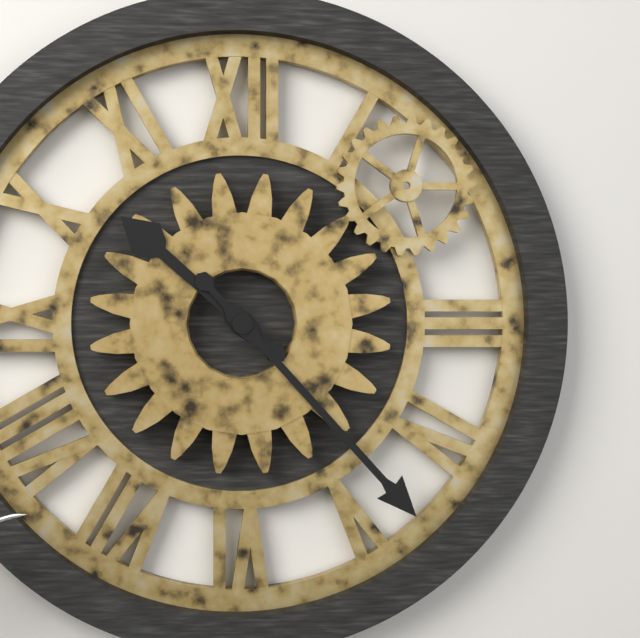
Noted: {"hour": 10, "minute": 23}
